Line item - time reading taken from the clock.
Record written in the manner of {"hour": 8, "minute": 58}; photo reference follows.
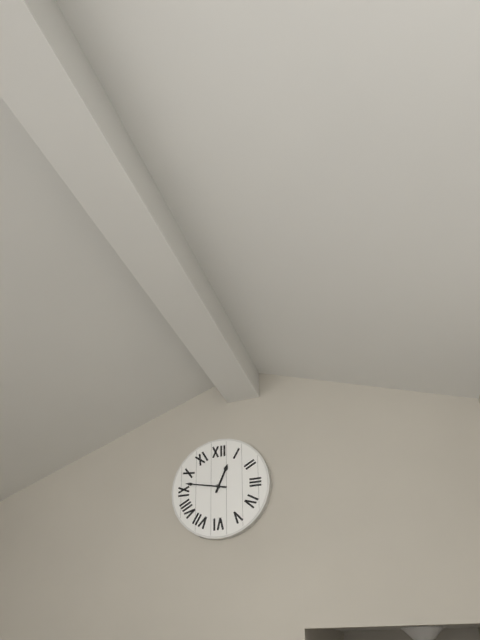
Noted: {"hour": 12, "minute": 47}
